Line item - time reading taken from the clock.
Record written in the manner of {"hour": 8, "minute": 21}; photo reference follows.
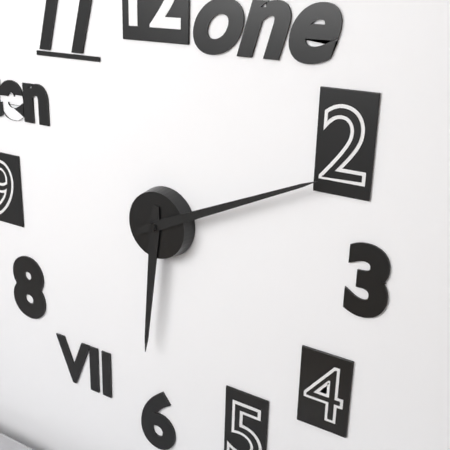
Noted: {"hour": 6, "minute": 11}
